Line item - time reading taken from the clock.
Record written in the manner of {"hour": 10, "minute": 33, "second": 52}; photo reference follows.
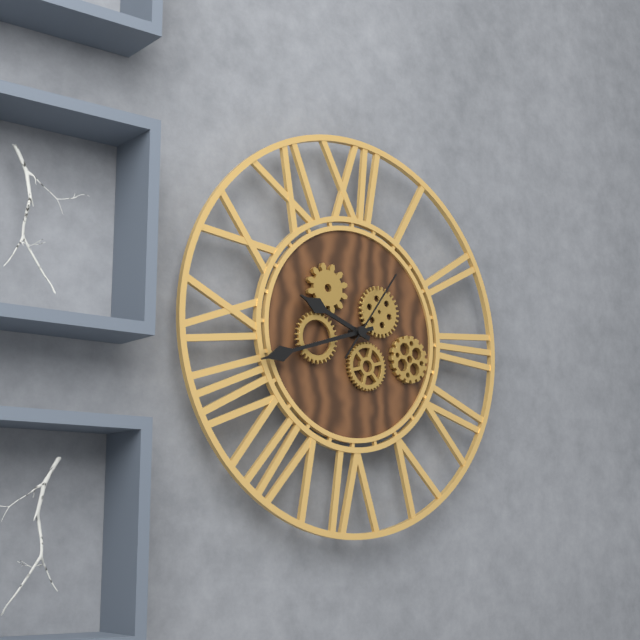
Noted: {"hour": 9, "minute": 42, "second": 6}
